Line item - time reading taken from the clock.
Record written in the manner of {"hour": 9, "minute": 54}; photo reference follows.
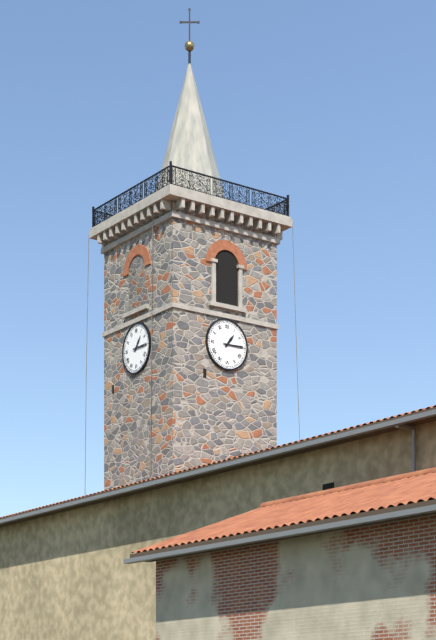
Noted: {"hour": 1, "minute": 15}
